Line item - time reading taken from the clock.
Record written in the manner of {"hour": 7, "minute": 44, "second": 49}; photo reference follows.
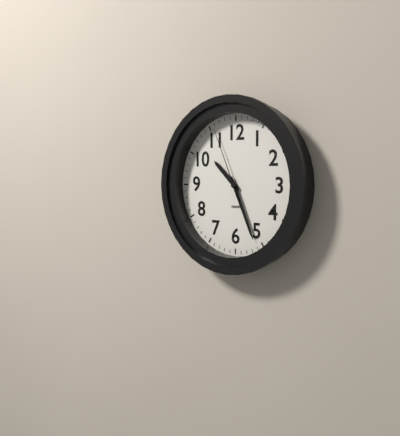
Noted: {"hour": 10, "minute": 26, "second": 56}
